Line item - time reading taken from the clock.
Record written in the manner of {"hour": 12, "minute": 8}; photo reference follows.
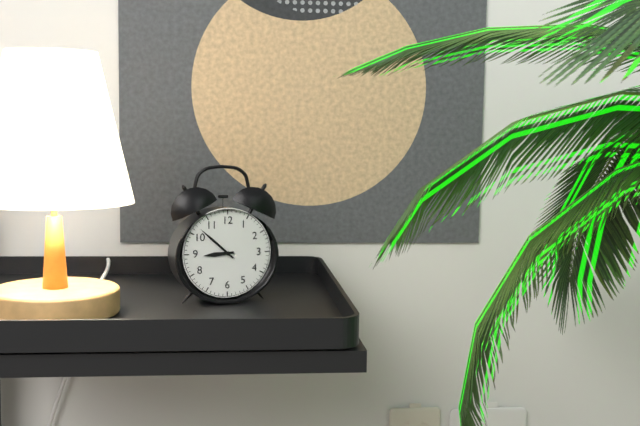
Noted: {"hour": 8, "minute": 52}
